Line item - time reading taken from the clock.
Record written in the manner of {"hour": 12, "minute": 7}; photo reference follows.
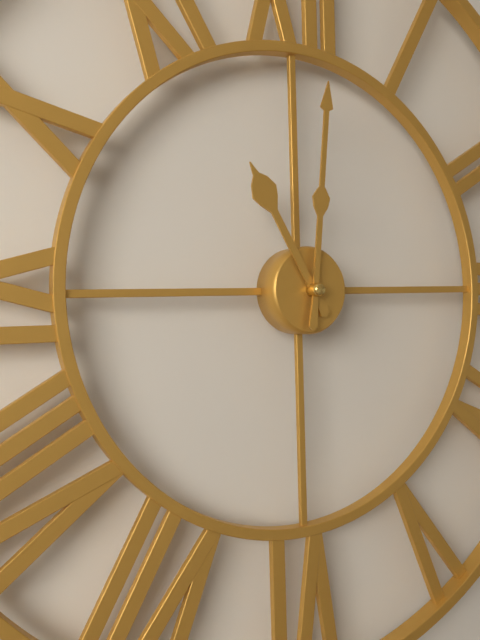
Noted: {"hour": 11, "minute": 1}
